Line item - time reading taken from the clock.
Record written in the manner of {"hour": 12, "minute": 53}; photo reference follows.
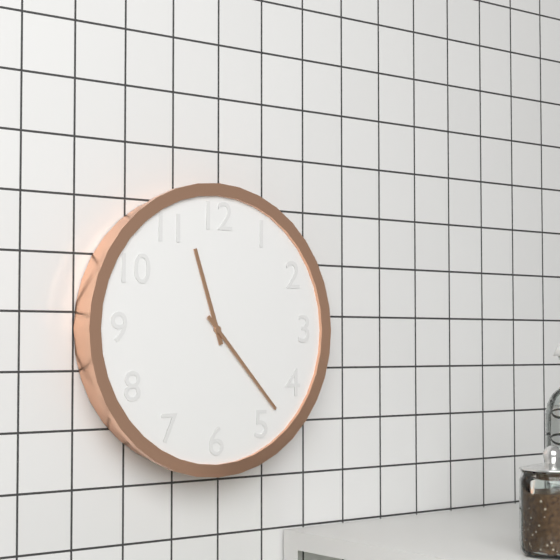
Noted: {"hour": 11, "minute": 23}
